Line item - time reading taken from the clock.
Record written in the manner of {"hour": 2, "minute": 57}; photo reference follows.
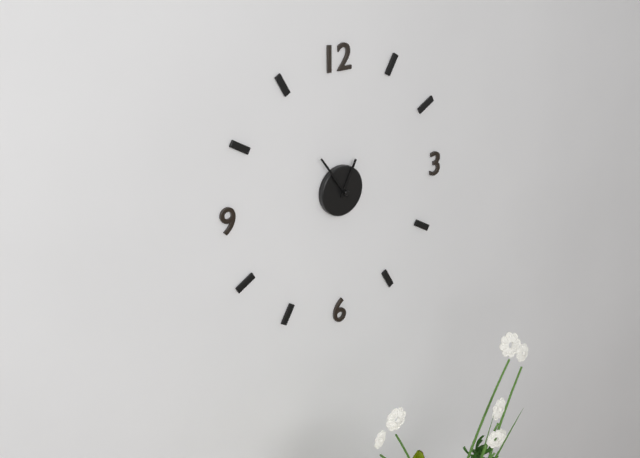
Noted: {"hour": 12, "minute": 54}
